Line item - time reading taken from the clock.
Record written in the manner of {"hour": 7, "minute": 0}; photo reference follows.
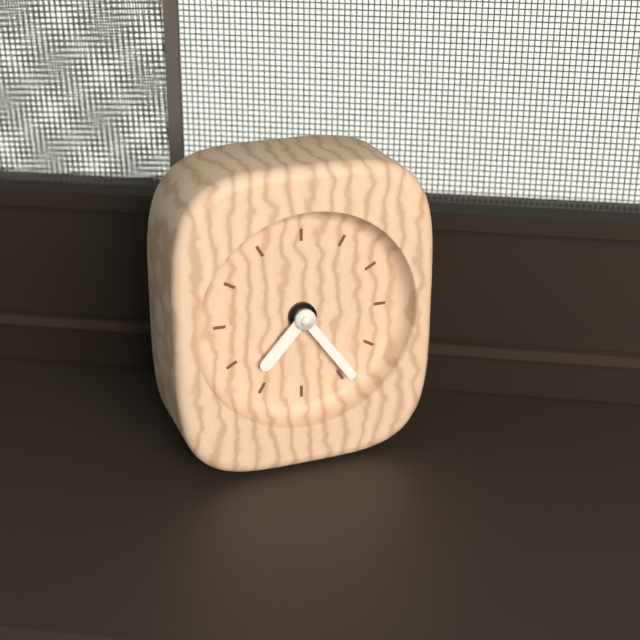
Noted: {"hour": 7, "minute": 24}
